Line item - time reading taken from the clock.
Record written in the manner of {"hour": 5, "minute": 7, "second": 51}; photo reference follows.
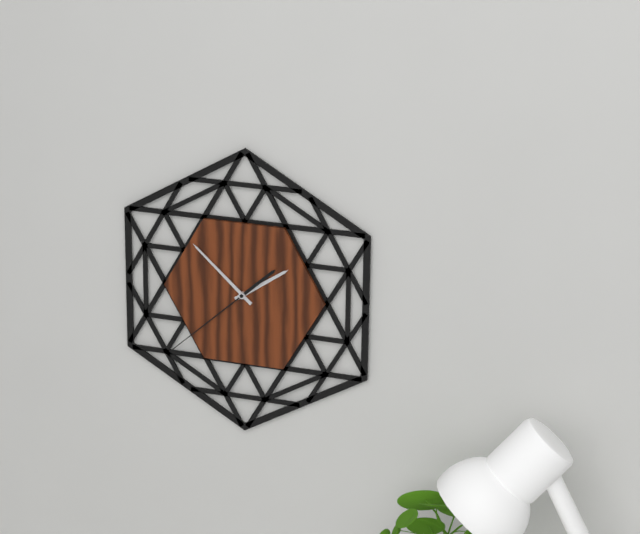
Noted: {"hour": 1, "minute": 52, "second": 38}
